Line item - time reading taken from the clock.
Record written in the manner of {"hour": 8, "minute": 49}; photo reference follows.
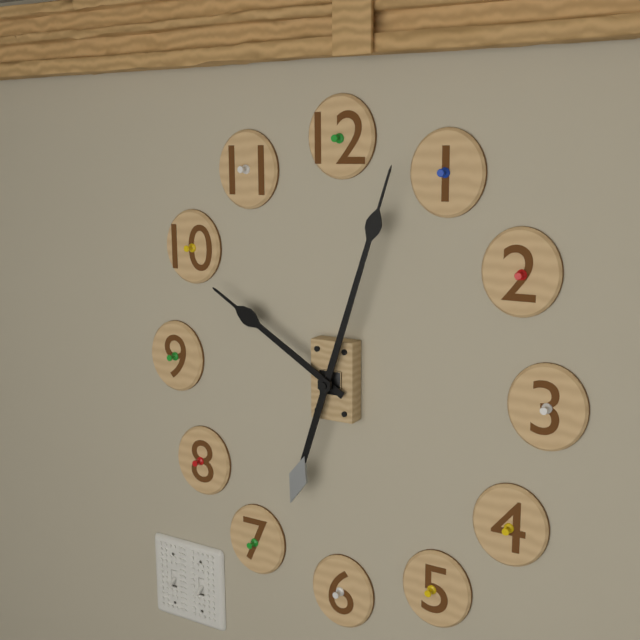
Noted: {"hour": 10, "minute": 3}
